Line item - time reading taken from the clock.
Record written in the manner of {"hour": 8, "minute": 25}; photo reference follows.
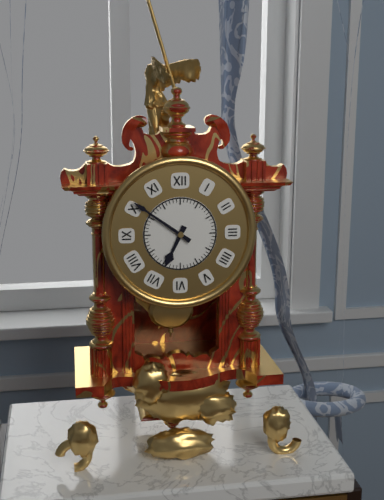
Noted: {"hour": 6, "minute": 51}
